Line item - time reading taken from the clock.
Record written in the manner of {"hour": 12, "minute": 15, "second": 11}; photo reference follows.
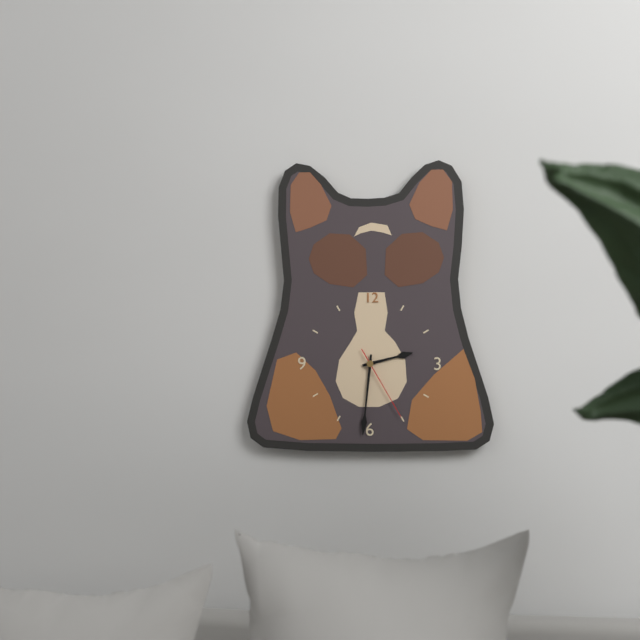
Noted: {"hour": 2, "minute": 31, "second": 25}
